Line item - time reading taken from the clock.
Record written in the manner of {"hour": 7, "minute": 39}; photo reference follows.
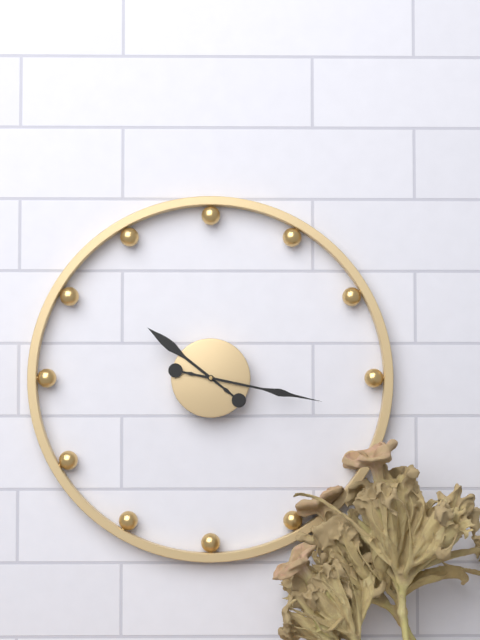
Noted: {"hour": 10, "minute": 17}
